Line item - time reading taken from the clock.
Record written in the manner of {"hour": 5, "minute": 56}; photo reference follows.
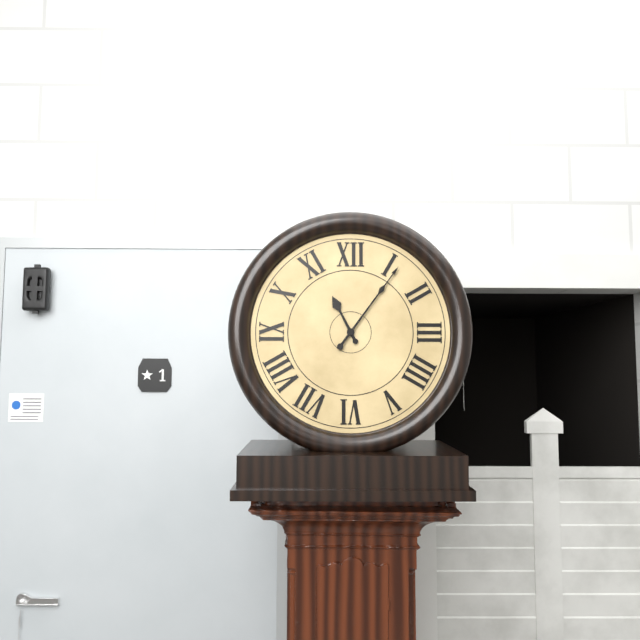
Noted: {"hour": 11, "minute": 6}
